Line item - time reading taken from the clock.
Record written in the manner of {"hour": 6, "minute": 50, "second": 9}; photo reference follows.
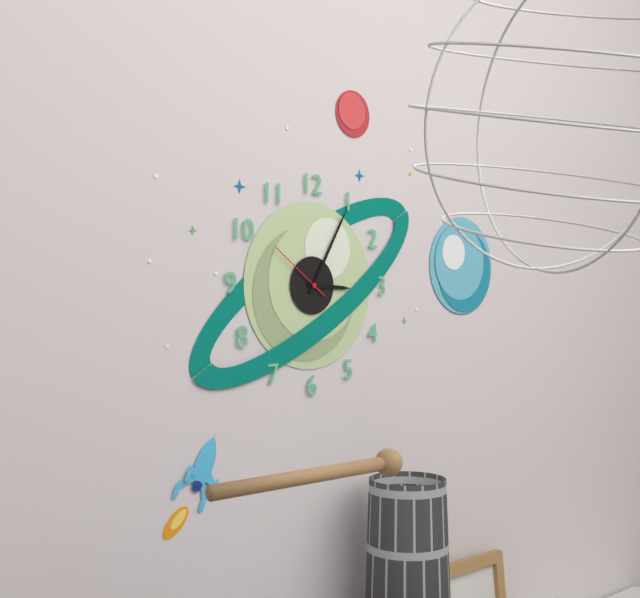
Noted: {"hour": 3, "minute": 5, "second": 51}
